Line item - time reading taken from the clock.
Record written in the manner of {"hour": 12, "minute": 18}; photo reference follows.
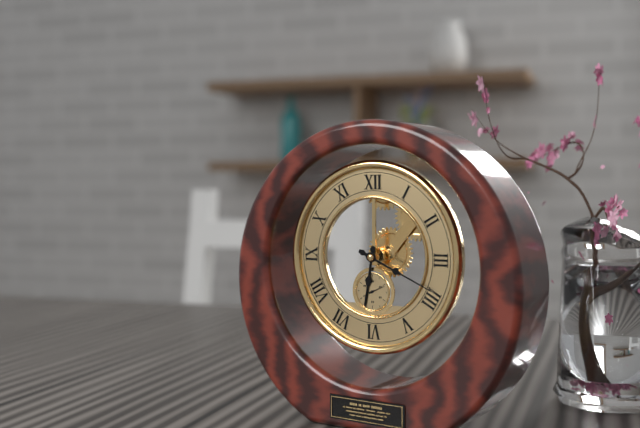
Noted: {"hour": 6, "minute": 19}
